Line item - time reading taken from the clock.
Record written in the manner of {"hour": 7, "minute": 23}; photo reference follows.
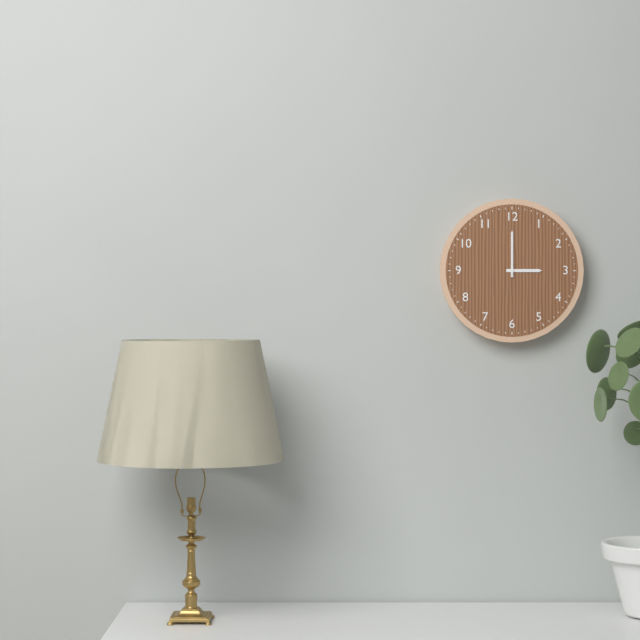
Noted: {"hour": 3, "minute": 0}
